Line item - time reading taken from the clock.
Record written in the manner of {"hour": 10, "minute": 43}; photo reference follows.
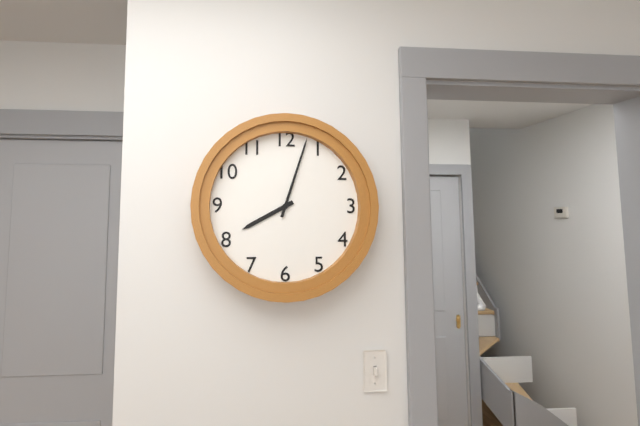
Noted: {"hour": 8, "minute": 3}
